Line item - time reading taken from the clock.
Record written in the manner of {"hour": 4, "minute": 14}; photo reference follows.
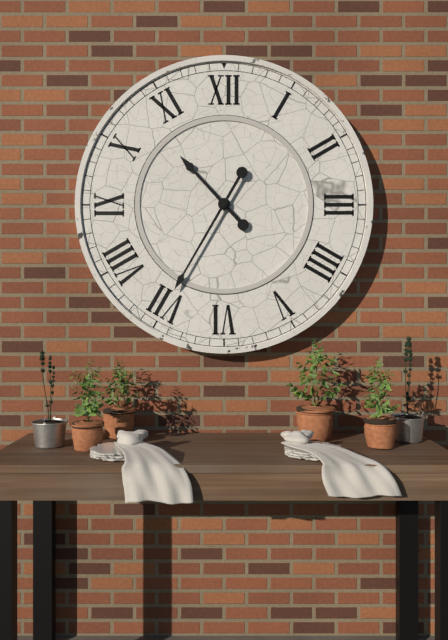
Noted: {"hour": 10, "minute": 35}
